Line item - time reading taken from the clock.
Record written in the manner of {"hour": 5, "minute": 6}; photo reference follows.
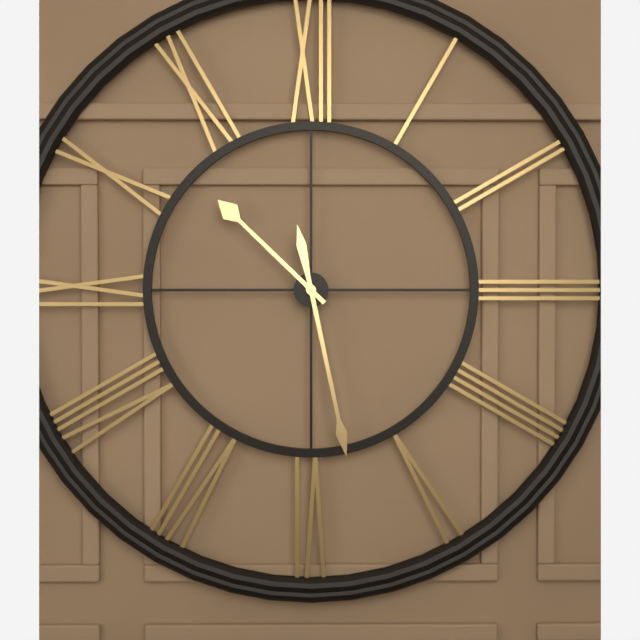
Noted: {"hour": 10, "minute": 28}
